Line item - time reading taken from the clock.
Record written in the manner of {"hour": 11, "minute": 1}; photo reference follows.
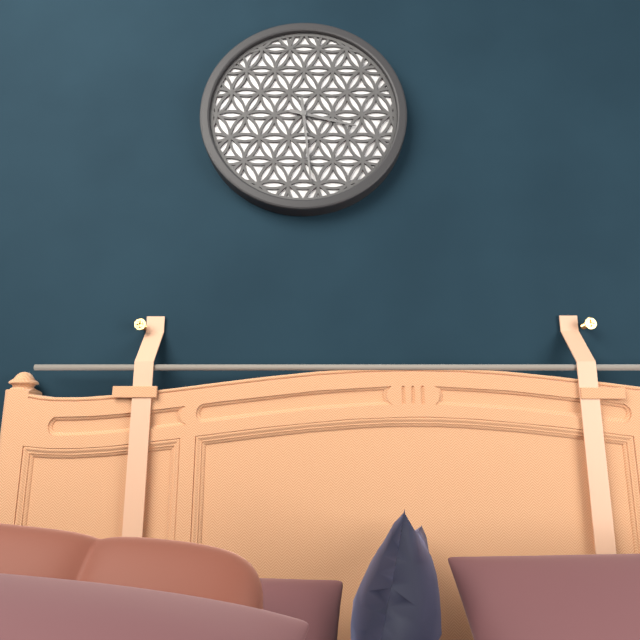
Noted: {"hour": 3, "minute": 29}
